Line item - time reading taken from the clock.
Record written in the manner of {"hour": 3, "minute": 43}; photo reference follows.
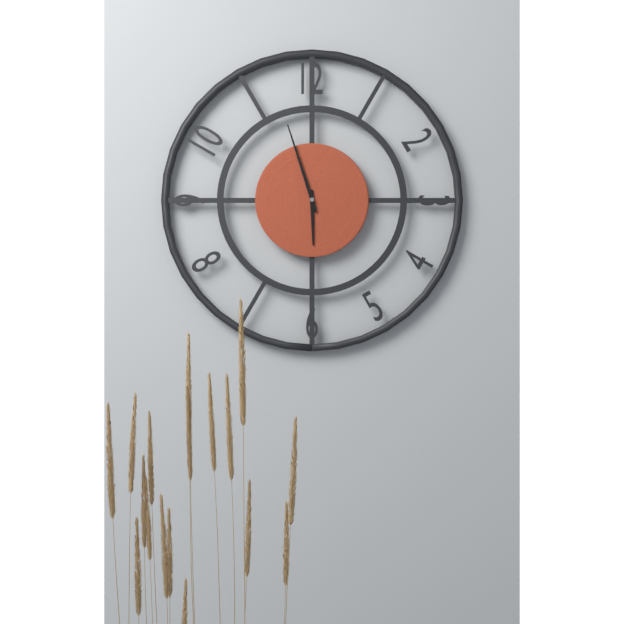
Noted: {"hour": 5, "minute": 57}
